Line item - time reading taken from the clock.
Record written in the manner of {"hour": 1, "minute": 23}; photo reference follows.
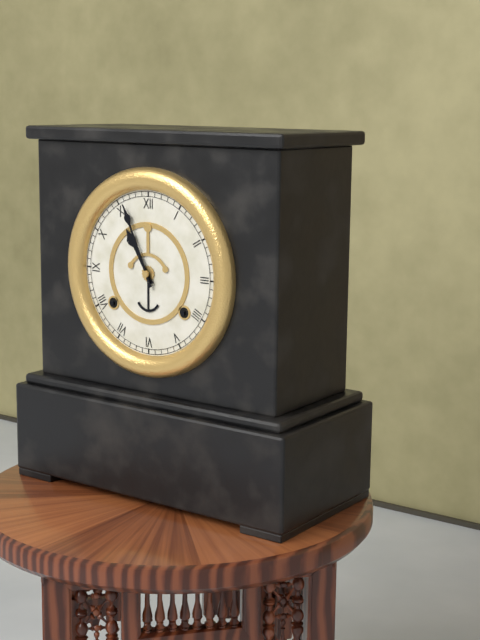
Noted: {"hour": 10, "minute": 56}
